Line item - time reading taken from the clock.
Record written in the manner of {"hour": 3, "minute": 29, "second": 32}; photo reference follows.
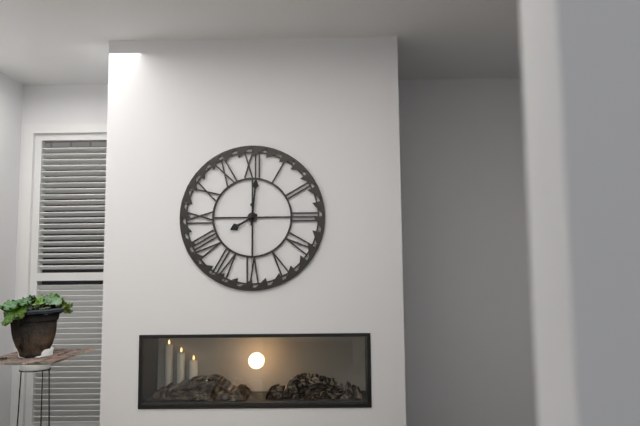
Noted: {"hour": 8, "minute": 1, "second": 30}
